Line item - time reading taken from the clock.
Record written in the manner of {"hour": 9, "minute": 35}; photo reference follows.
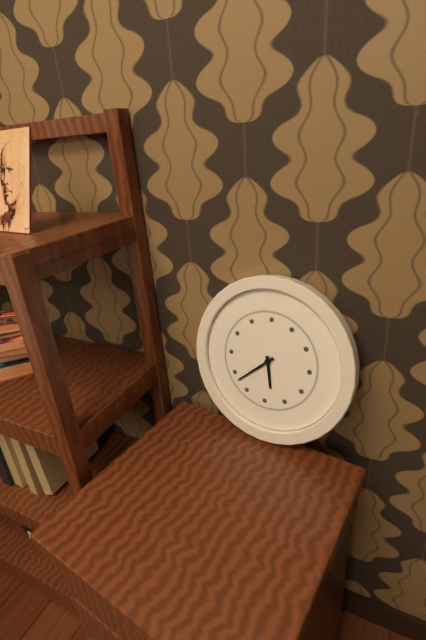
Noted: {"hour": 5, "minute": 38}
